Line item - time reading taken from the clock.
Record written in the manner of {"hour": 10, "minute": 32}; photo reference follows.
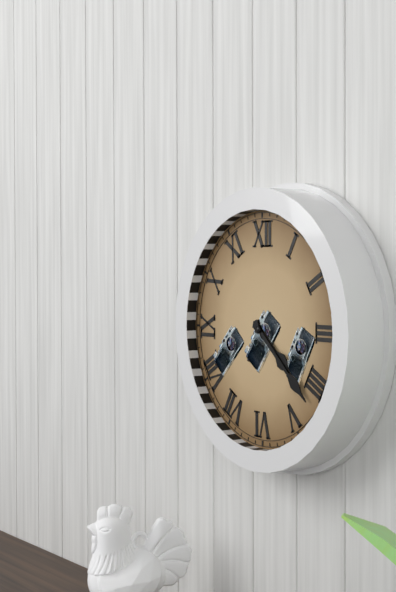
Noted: {"hour": 4, "minute": 22}
